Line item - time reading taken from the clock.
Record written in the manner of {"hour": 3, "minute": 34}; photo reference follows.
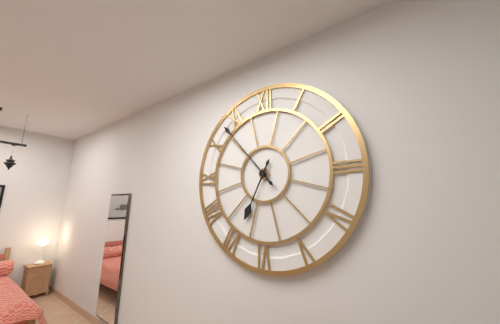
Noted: {"hour": 6, "minute": 53}
